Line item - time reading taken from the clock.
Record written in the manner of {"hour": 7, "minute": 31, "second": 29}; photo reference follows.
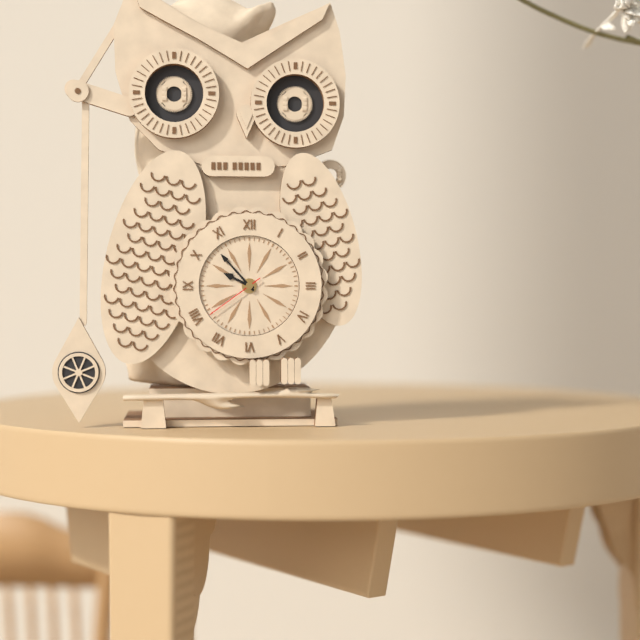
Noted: {"hour": 9, "minute": 53, "second": 39}
